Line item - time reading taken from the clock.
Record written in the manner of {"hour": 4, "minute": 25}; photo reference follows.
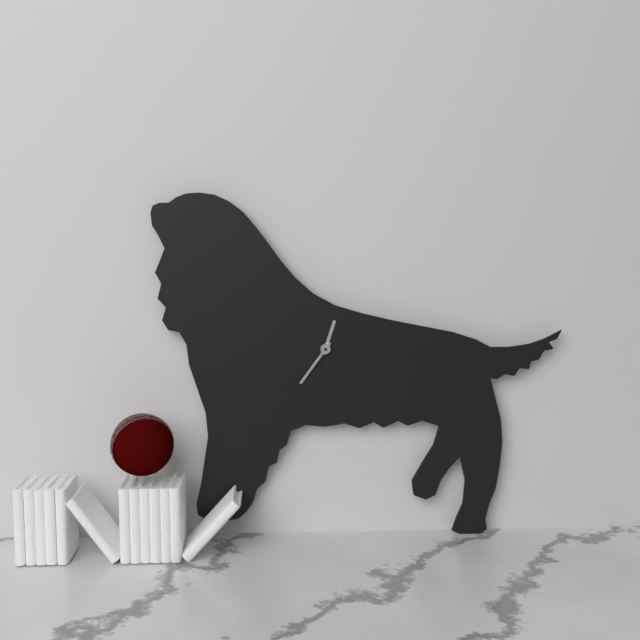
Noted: {"hour": 12, "minute": 36}
